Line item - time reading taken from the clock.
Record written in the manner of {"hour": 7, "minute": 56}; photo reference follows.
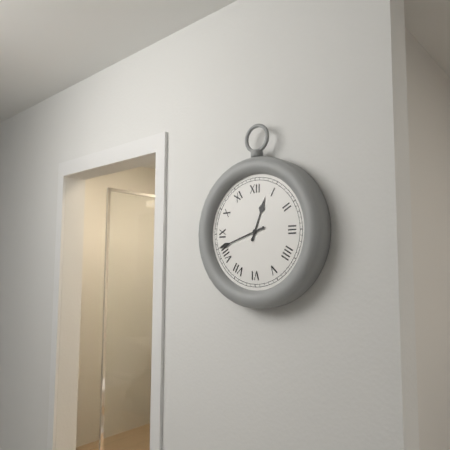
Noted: {"hour": 12, "minute": 42}
